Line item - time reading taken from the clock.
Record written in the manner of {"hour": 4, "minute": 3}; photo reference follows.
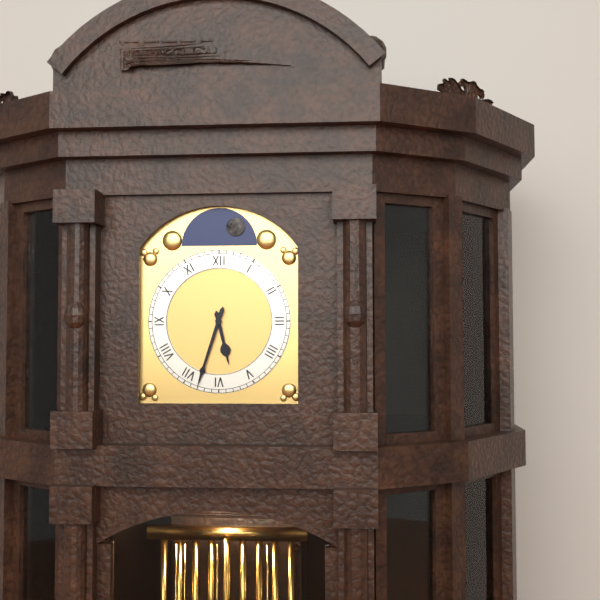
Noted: {"hour": 5, "minute": 33}
